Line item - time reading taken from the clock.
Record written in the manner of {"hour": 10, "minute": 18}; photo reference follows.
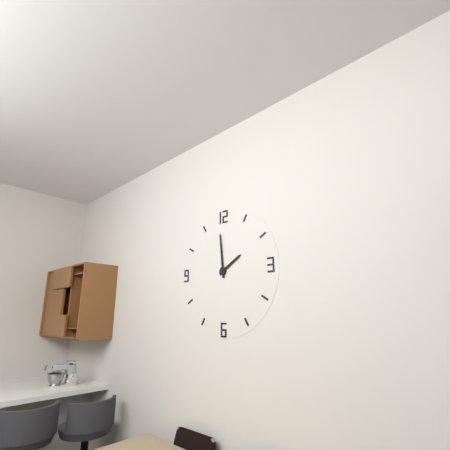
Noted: {"hour": 1, "minute": 59}
